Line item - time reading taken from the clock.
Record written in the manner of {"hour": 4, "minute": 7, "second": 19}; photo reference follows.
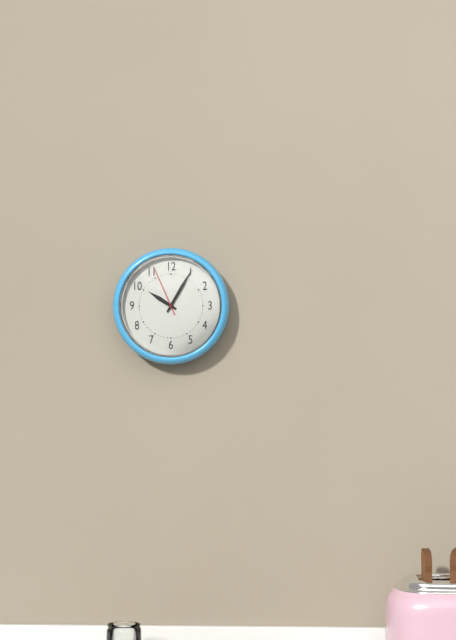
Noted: {"hour": 10, "minute": 5, "second": 56}
